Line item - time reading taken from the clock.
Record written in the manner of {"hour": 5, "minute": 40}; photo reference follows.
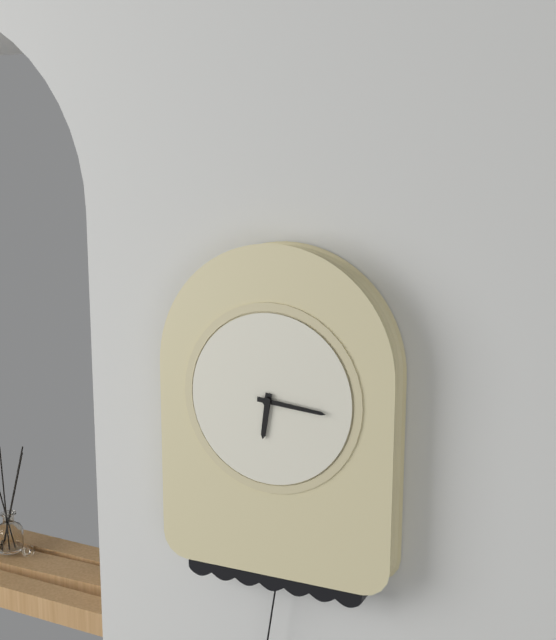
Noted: {"hour": 6, "minute": 16}
